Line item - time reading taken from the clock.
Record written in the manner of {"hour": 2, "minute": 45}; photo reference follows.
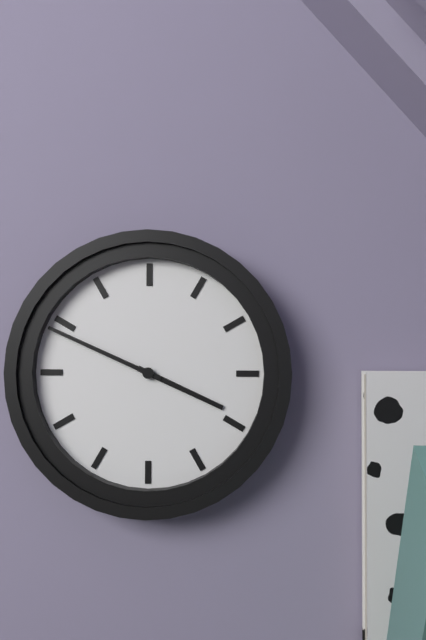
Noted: {"hour": 3, "minute": 49}
